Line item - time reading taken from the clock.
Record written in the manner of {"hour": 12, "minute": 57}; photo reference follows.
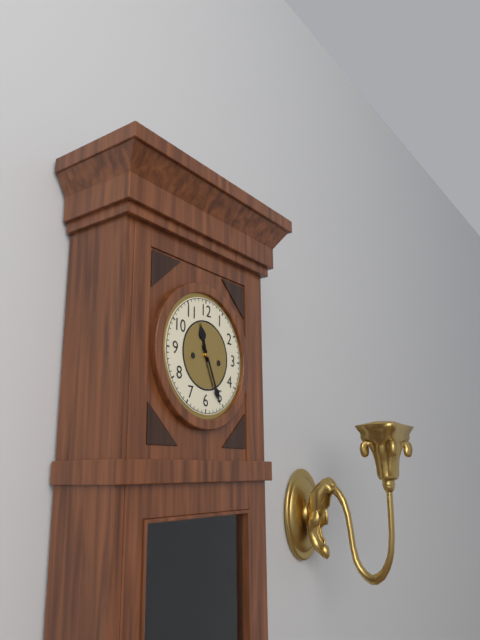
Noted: {"hour": 11, "minute": 26}
